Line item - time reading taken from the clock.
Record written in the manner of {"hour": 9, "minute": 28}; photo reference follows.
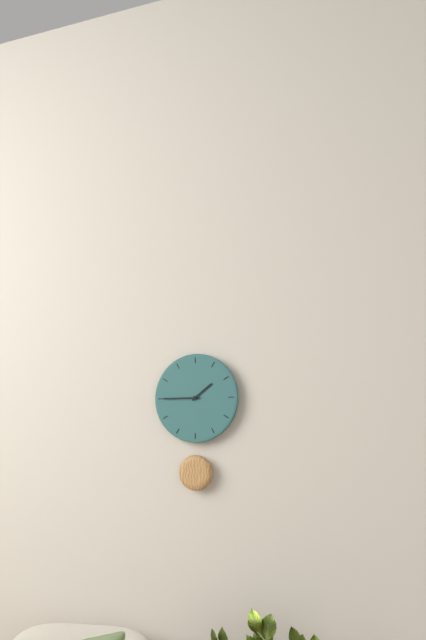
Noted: {"hour": 1, "minute": 45}
